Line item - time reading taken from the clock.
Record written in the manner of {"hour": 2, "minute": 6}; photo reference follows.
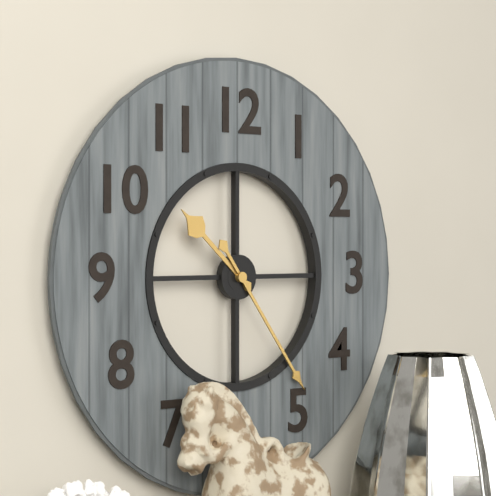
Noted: {"hour": 10, "minute": 24}
